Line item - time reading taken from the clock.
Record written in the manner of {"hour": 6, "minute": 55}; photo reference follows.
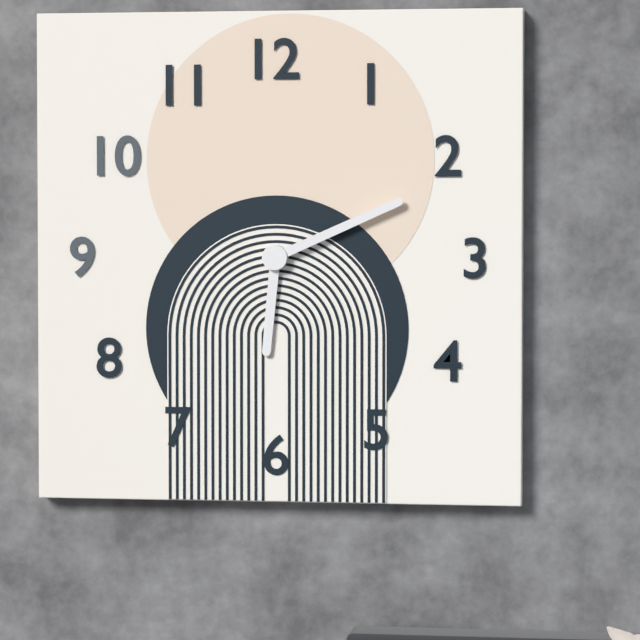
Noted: {"hour": 6, "minute": 11}
